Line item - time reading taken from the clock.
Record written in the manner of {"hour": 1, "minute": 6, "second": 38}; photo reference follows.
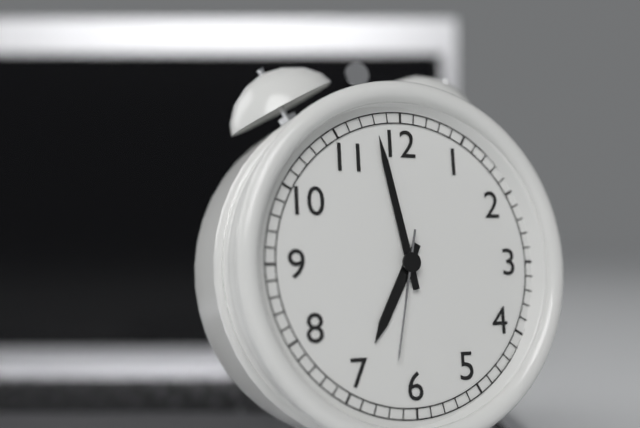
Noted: {"hour": 6, "minute": 58, "second": 32}
